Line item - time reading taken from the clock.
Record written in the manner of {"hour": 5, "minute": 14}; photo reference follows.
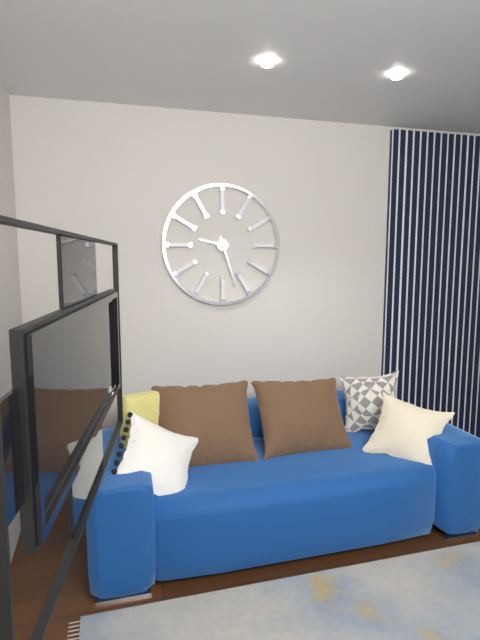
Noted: {"hour": 9, "minute": 27}
